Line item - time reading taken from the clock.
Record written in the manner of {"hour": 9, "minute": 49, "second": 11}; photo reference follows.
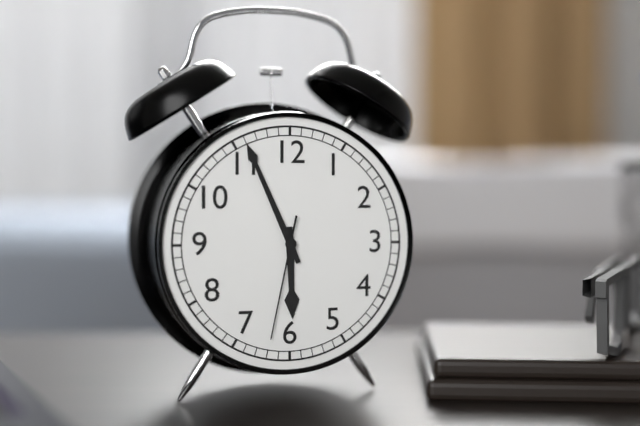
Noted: {"hour": 5, "minute": 56, "second": 32}
